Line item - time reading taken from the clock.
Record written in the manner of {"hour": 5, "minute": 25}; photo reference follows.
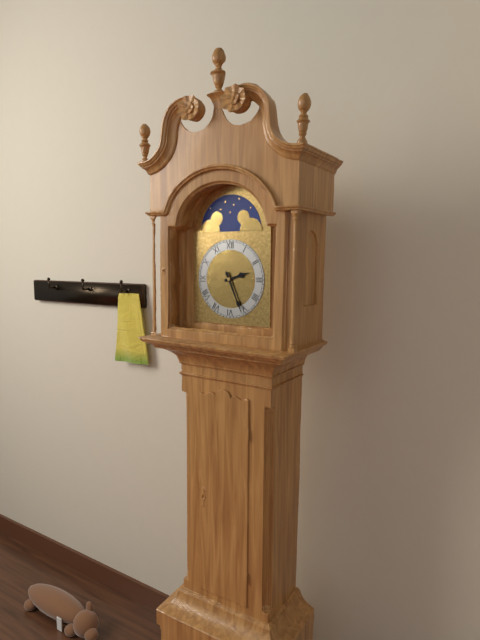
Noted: {"hour": 2, "minute": 26}
